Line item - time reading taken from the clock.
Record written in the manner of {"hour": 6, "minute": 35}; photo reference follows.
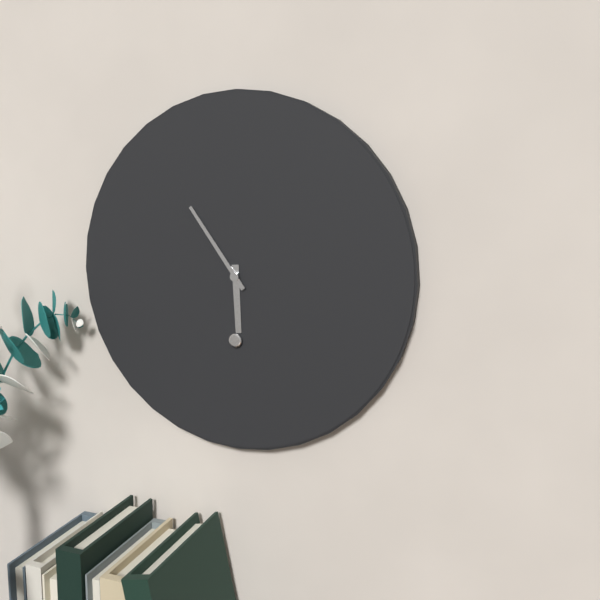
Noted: {"hour": 5, "minute": 54}
